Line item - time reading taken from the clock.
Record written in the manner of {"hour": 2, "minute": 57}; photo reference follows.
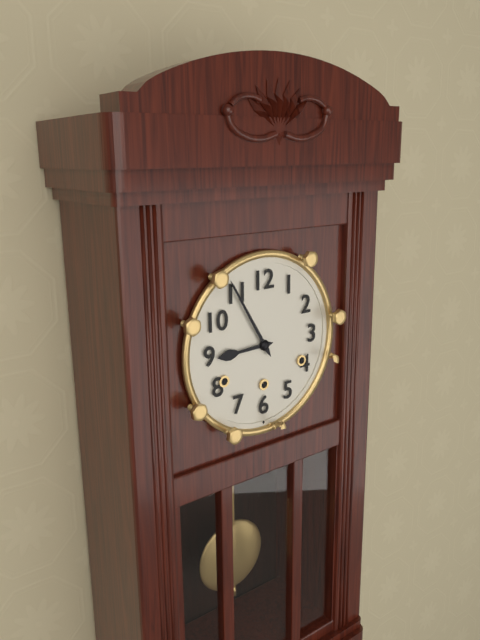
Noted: {"hour": 8, "minute": 55}
